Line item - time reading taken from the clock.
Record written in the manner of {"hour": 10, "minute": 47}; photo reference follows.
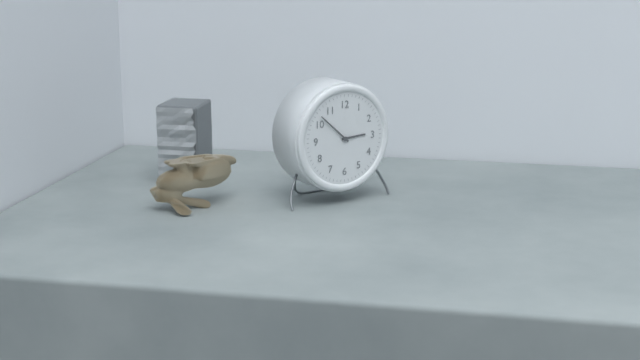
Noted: {"hour": 2, "minute": 52}
